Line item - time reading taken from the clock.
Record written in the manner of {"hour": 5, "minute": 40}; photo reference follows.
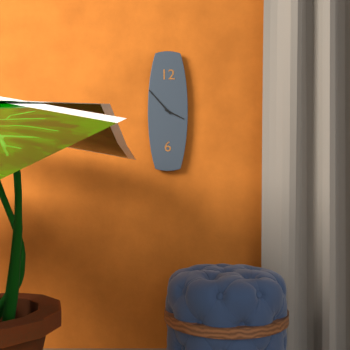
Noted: {"hour": 3, "minute": 53}
